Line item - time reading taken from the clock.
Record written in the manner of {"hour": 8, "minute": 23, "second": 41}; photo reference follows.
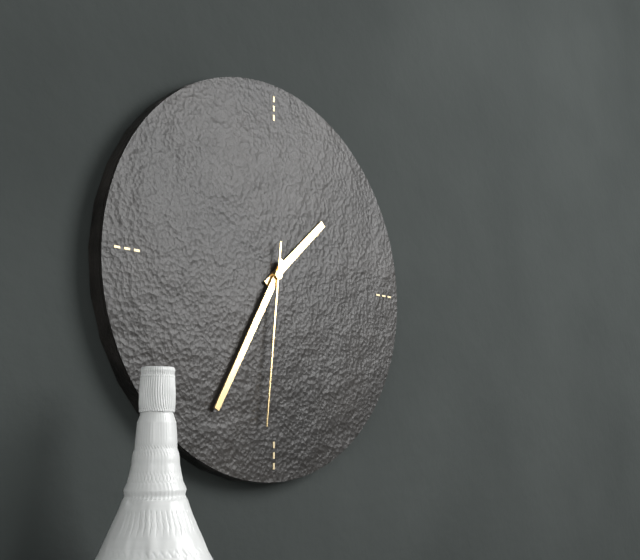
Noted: {"hour": 1, "minute": 35, "second": 31}
